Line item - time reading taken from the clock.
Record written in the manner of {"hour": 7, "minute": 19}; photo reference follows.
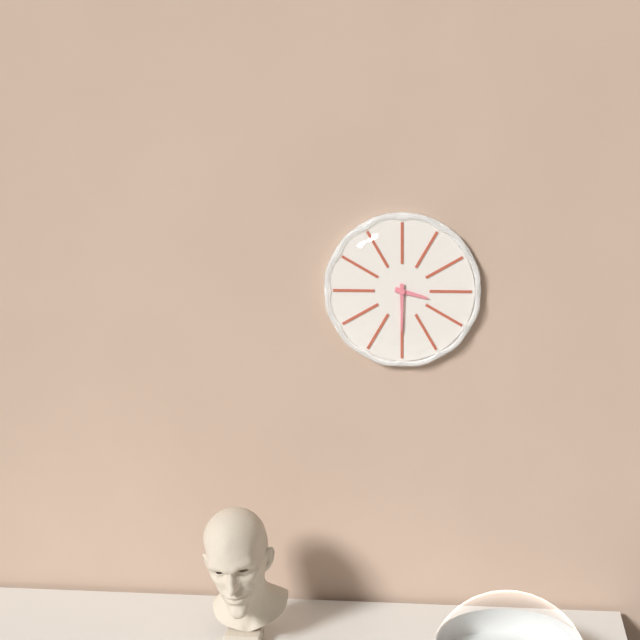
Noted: {"hour": 3, "minute": 30}
